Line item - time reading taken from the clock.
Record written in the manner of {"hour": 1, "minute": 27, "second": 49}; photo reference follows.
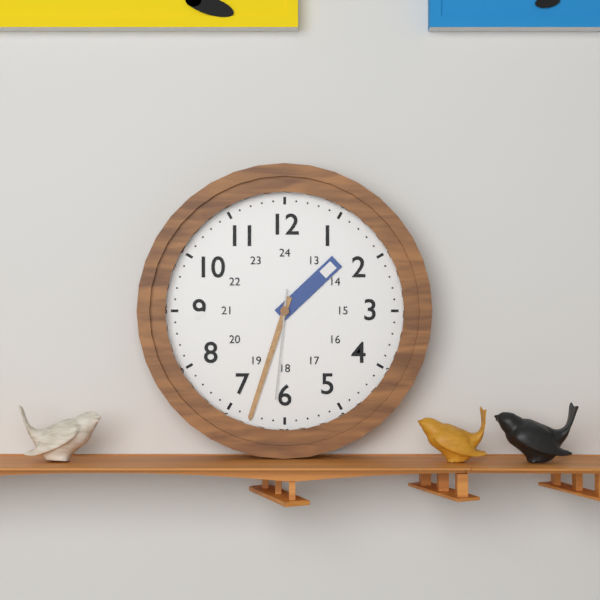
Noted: {"hour": 1, "minute": 33, "second": 31}
